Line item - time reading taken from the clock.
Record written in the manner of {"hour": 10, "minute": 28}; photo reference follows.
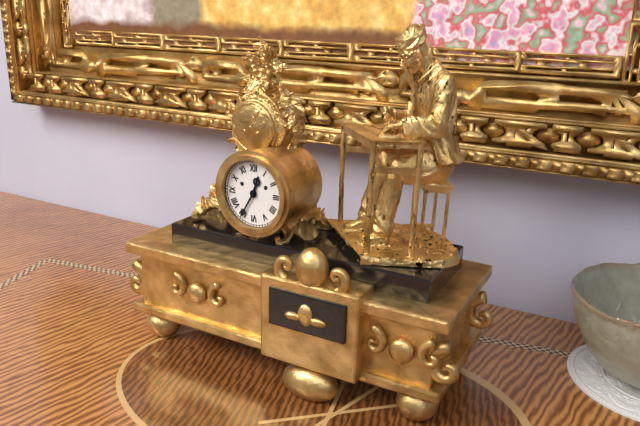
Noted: {"hour": 12, "minute": 35}
